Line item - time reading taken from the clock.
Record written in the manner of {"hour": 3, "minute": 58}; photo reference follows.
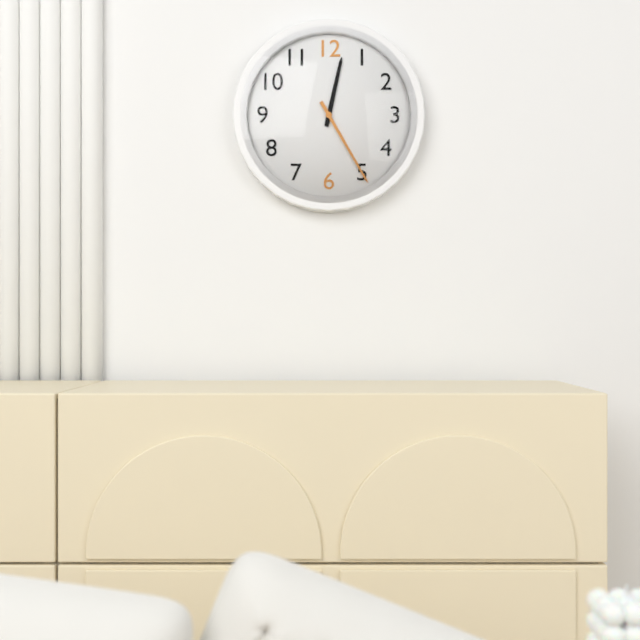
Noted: {"hour": 12, "minute": 25}
